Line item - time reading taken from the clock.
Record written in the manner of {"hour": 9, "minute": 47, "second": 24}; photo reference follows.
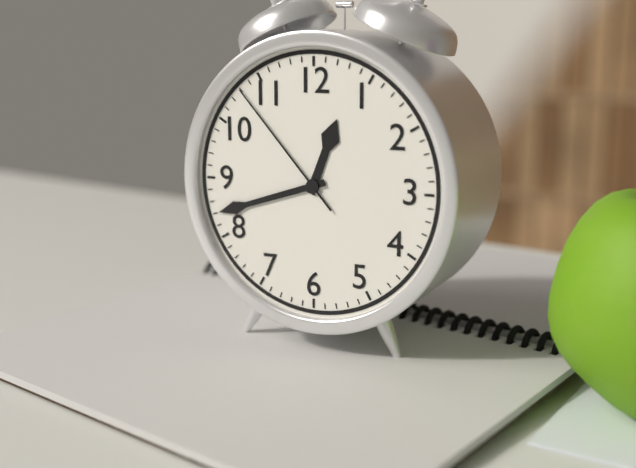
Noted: {"hour": 12, "minute": 42, "second": 53}
